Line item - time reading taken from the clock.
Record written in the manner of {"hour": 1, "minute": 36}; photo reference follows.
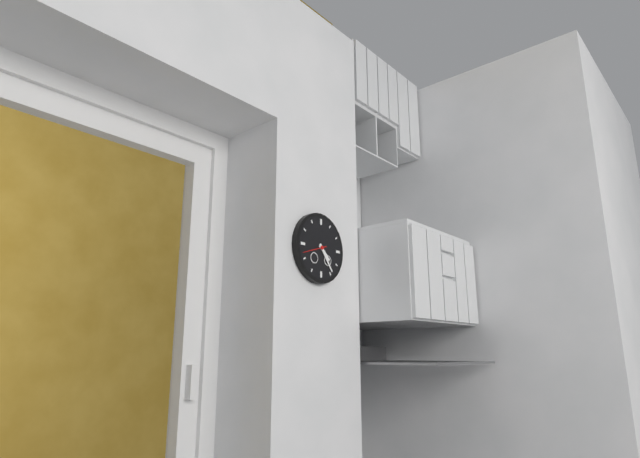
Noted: {"hour": 4, "minute": 24}
